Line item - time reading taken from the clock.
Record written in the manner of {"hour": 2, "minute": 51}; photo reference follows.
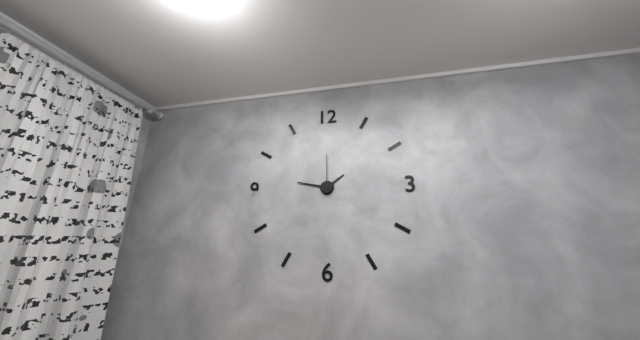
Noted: {"hour": 1, "minute": 47}
